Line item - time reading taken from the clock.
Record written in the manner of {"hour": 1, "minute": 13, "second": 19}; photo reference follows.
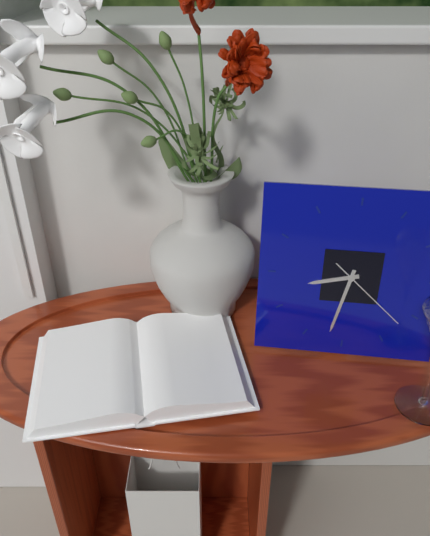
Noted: {"hour": 8, "minute": 32, "second": 22}
